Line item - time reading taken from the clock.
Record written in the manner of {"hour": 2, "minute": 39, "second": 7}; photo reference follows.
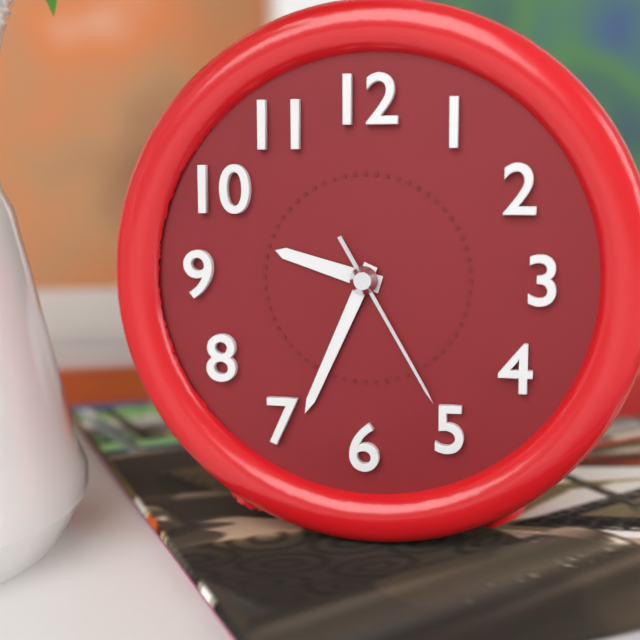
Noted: {"hour": 9, "minute": 34, "second": 25}
